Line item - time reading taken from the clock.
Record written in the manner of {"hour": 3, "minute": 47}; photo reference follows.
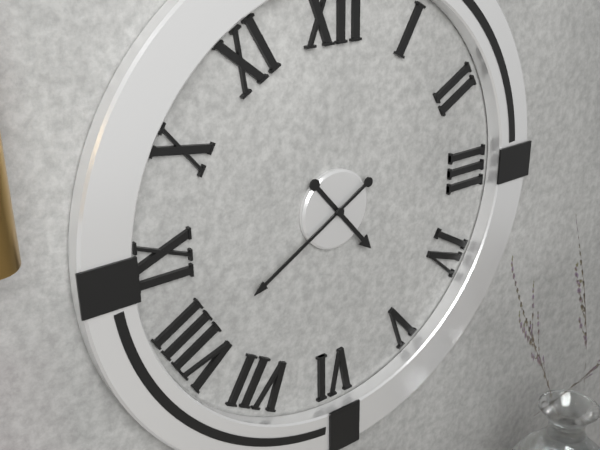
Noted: {"hour": 4, "minute": 40}
